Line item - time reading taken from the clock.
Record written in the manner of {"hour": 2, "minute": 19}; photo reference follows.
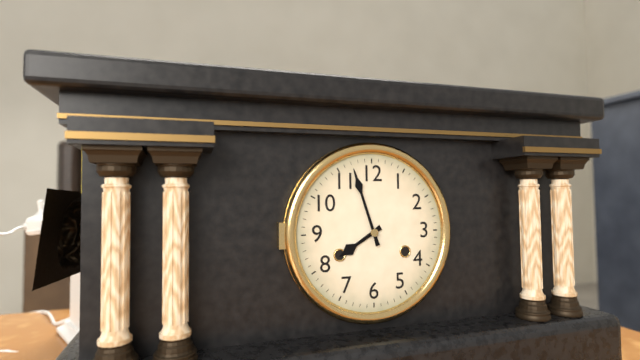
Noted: {"hour": 7, "minute": 57}
